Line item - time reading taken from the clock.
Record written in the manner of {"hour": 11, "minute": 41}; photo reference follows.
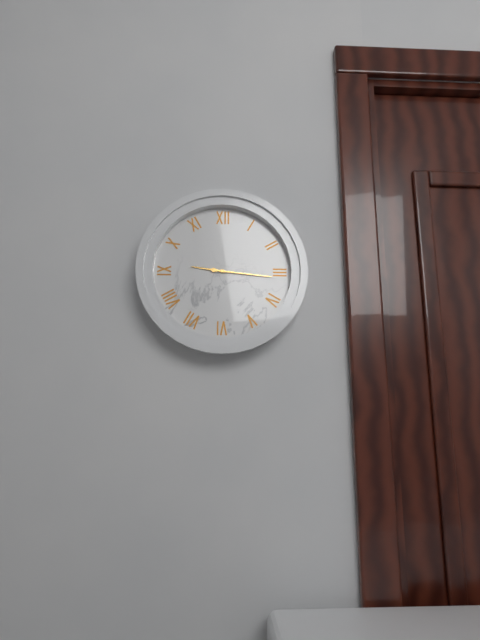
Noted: {"hour": 9, "minute": 16}
